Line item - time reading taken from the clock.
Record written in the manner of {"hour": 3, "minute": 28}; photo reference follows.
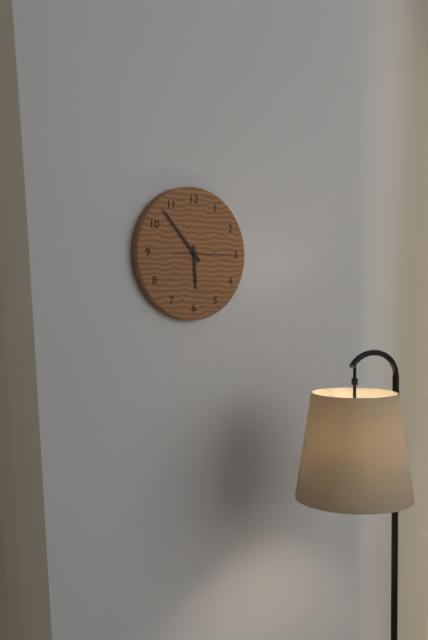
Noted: {"hour": 5, "minute": 53}
